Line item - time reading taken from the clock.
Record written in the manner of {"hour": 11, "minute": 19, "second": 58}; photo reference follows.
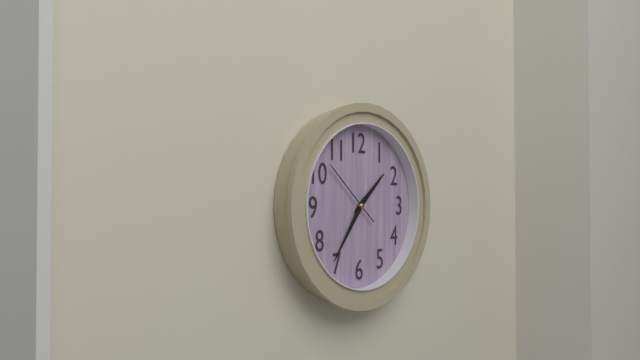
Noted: {"hour": 1, "minute": 36, "second": 52}
